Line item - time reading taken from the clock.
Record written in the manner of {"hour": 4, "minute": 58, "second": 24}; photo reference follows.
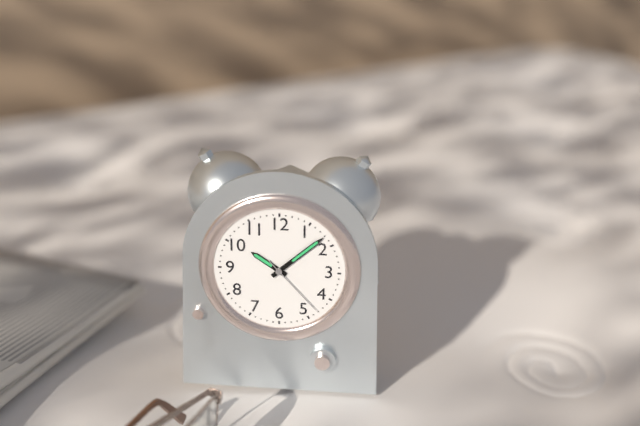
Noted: {"hour": 10, "minute": 8, "second": 23}
